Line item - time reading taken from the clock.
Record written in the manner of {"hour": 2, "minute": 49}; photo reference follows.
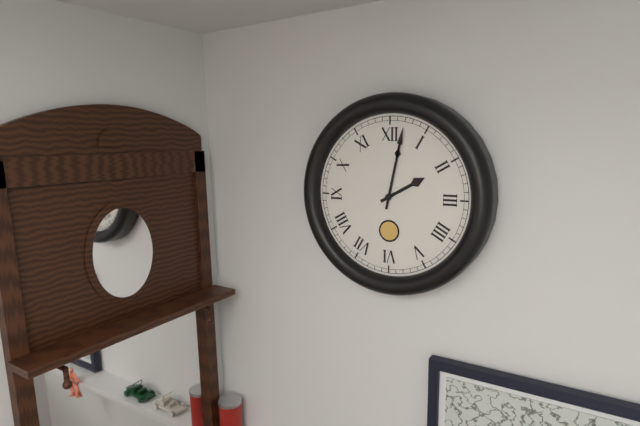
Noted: {"hour": 2, "minute": 2}
